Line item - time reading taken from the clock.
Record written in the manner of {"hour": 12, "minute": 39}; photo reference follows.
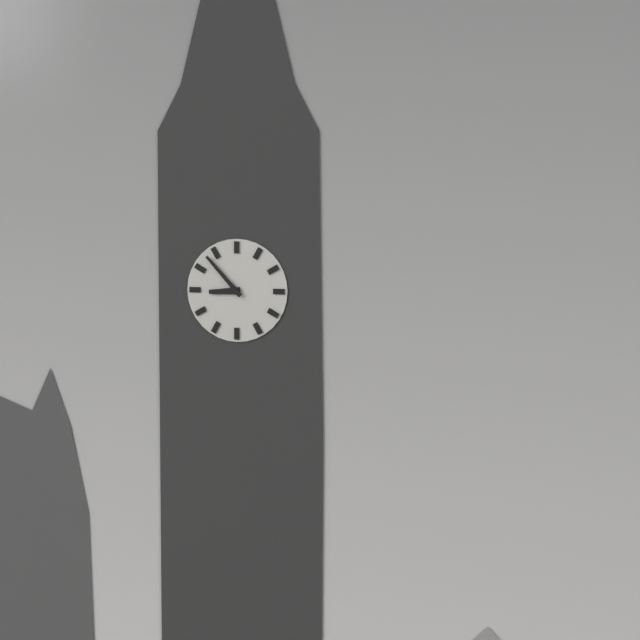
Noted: {"hour": 8, "minute": 53}
